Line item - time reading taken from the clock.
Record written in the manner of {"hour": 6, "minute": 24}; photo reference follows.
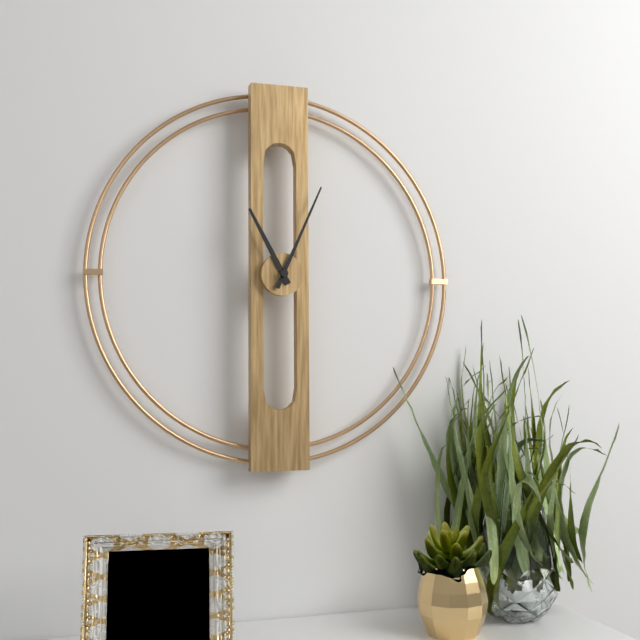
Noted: {"hour": 11, "minute": 4}
